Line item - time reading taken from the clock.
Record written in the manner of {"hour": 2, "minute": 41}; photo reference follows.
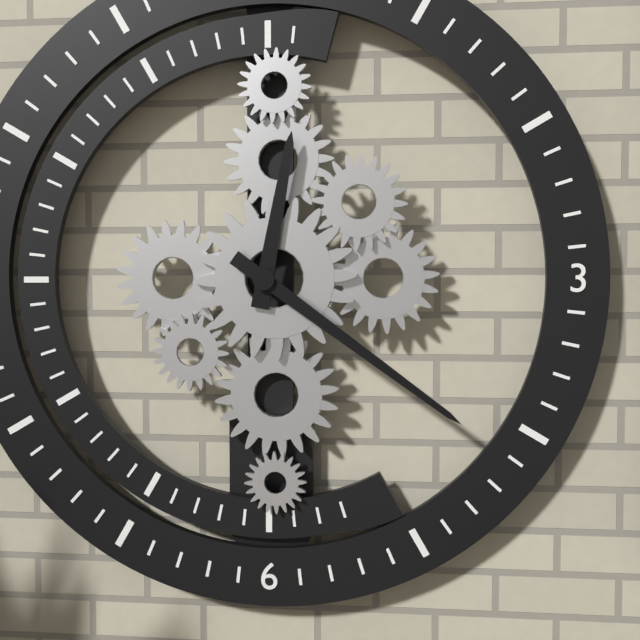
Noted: {"hour": 12, "minute": 21}
